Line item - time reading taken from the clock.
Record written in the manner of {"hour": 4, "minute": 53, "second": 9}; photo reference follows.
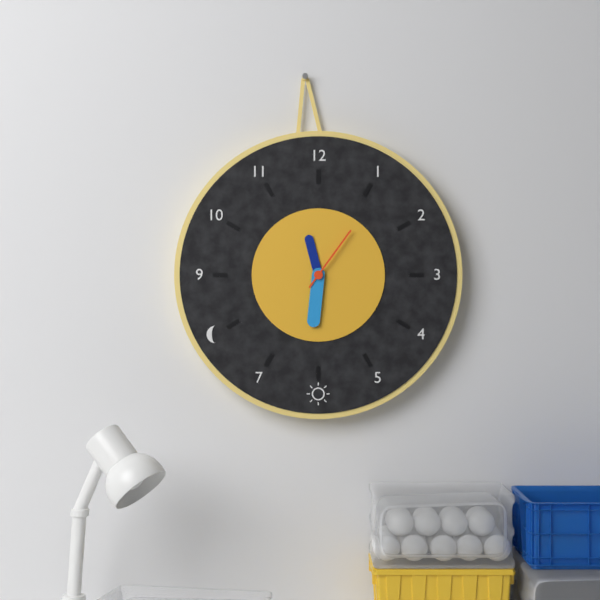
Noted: {"hour": 11, "minute": 31, "second": 6}
